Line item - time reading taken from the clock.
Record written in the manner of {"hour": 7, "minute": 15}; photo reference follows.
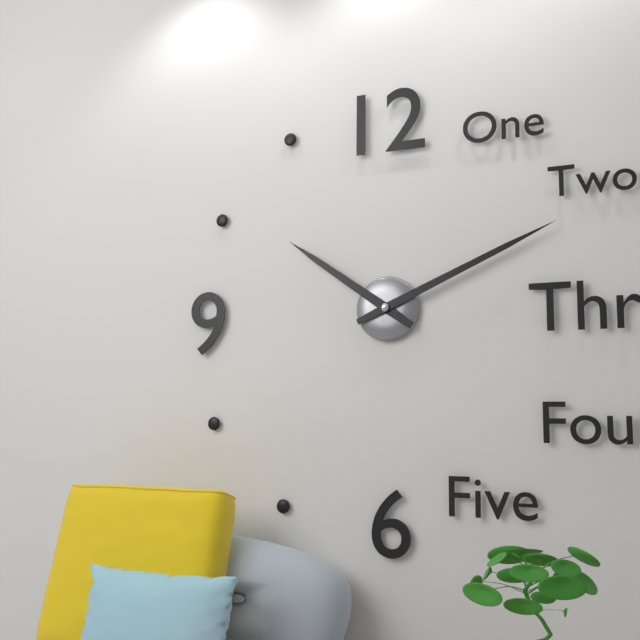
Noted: {"hour": 10, "minute": 11}
